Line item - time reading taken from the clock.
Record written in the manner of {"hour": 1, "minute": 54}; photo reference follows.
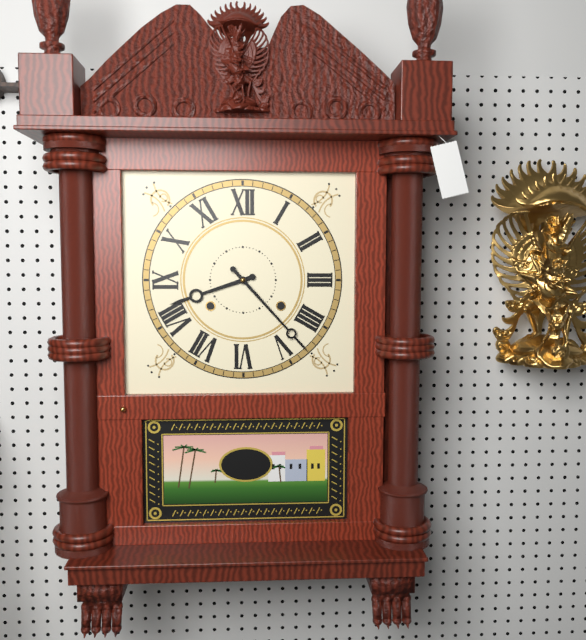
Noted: {"hour": 8, "minute": 23}
